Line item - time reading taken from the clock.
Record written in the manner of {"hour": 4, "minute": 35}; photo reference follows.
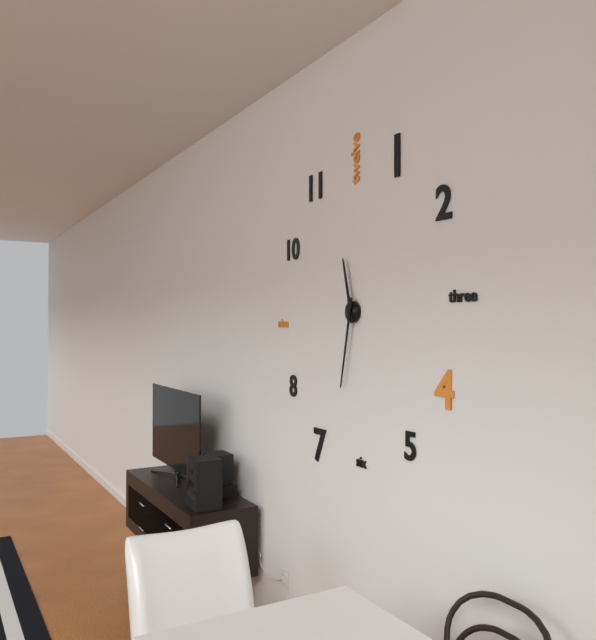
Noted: {"hour": 11, "minute": 32}
